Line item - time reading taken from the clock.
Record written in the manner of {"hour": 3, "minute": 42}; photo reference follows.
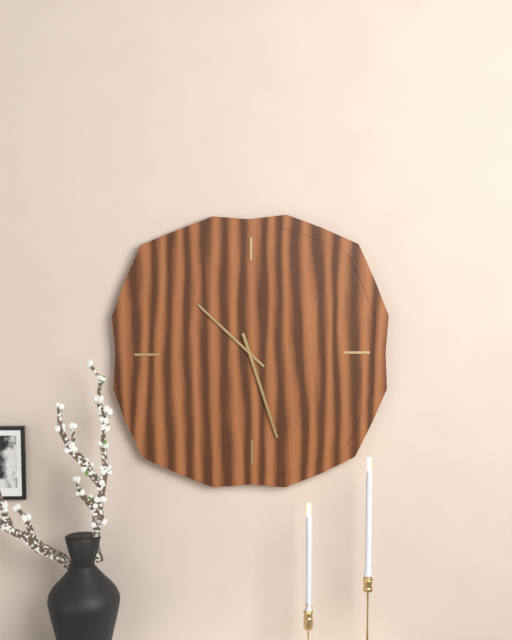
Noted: {"hour": 10, "minute": 27}
